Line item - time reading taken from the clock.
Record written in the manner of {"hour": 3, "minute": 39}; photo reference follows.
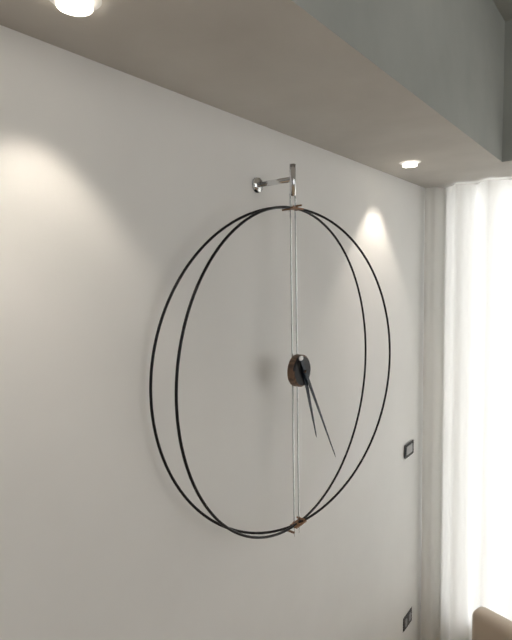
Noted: {"hour": 5, "minute": 25}
